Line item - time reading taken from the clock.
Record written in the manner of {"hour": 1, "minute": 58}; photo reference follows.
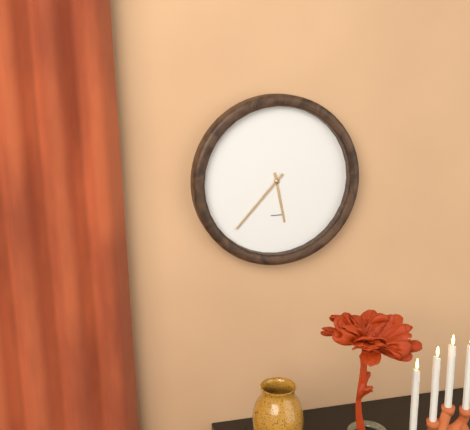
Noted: {"hour": 5, "minute": 37}
